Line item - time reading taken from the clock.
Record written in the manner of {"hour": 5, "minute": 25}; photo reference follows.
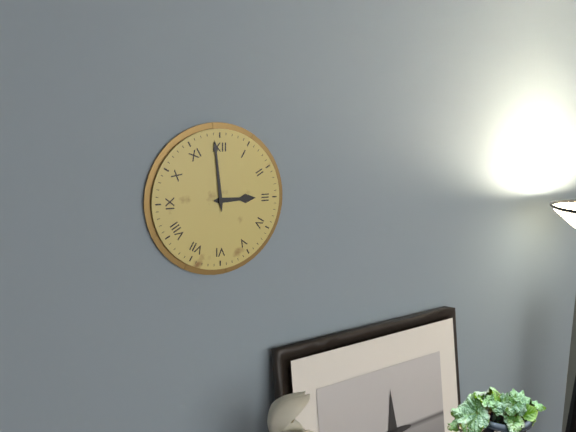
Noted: {"hour": 2, "minute": 59}
